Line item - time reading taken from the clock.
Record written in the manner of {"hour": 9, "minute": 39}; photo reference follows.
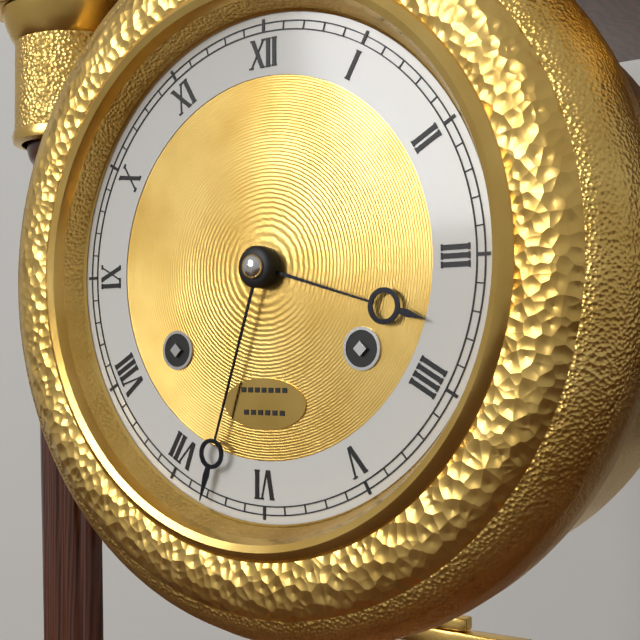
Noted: {"hour": 3, "minute": 33}
